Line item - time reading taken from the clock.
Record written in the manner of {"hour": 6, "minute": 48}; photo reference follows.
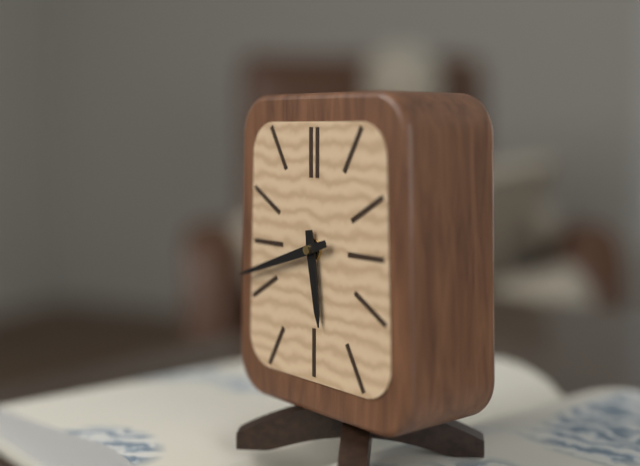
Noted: {"hour": 5, "minute": 42}
